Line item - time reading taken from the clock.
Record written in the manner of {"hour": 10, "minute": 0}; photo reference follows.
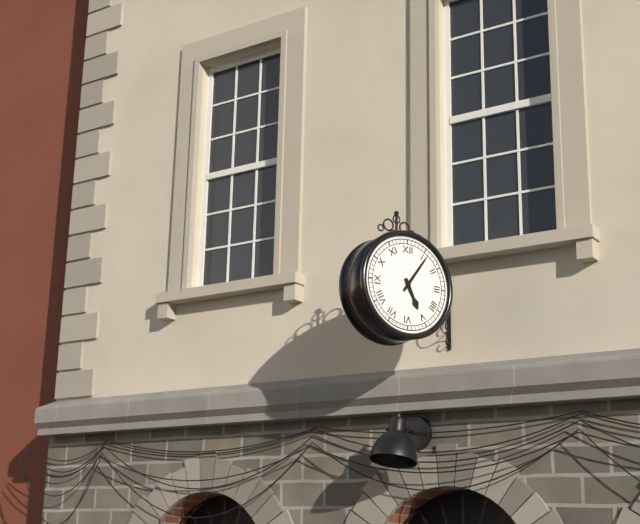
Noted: {"hour": 5, "minute": 6}
